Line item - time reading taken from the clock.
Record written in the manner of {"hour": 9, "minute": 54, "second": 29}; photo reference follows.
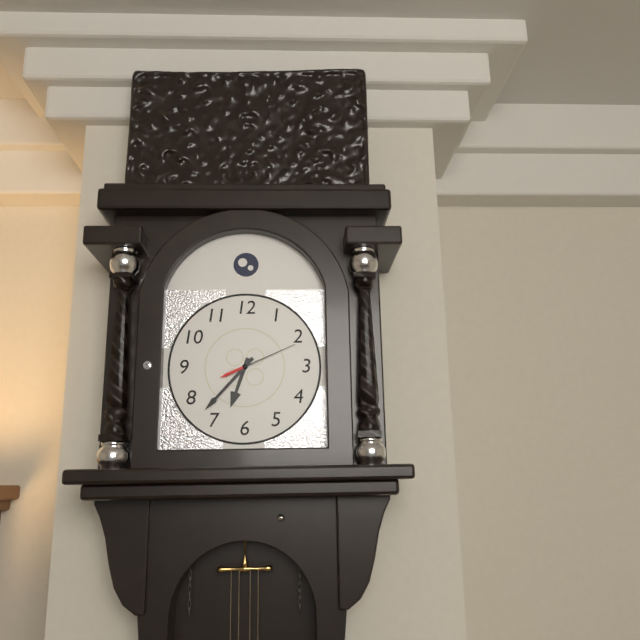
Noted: {"hour": 6, "minute": 37, "second": 11}
